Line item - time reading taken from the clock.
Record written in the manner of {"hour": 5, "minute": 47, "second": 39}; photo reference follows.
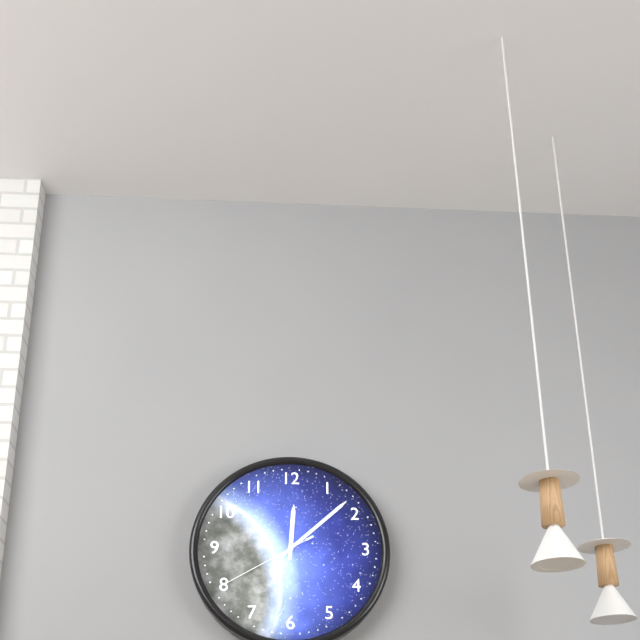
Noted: {"hour": 12, "minute": 8, "second": 40}
